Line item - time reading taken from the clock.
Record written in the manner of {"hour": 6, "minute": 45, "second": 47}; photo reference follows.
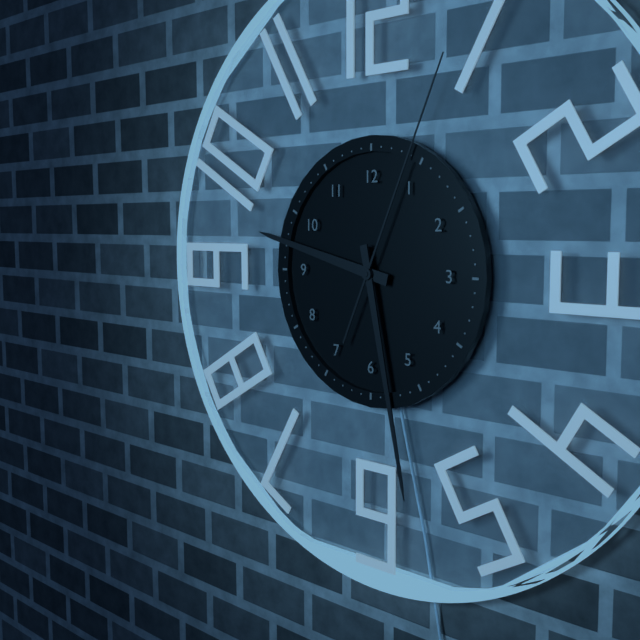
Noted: {"hour": 9, "minute": 28, "second": 4}
